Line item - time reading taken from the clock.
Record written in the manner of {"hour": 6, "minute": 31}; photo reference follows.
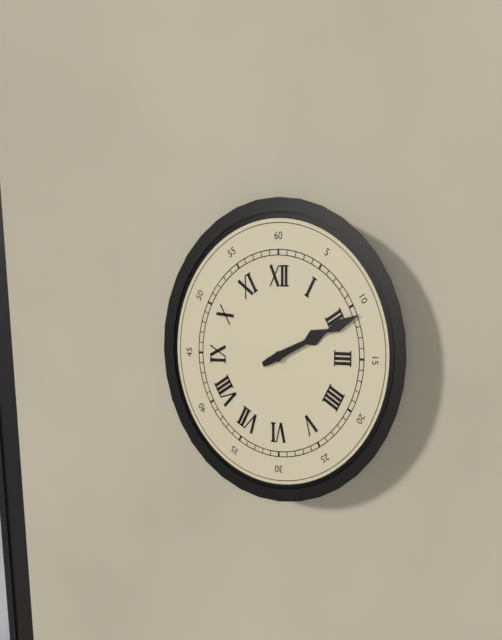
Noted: {"hour": 2, "minute": 11}
